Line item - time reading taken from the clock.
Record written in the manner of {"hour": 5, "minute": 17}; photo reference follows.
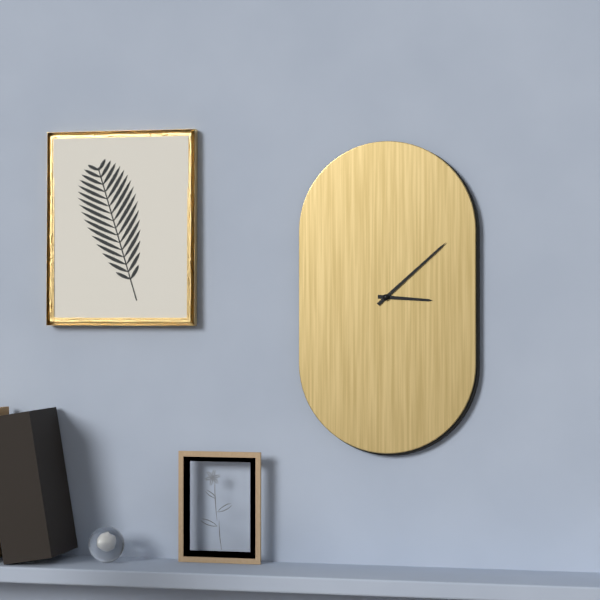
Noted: {"hour": 3, "minute": 8}
